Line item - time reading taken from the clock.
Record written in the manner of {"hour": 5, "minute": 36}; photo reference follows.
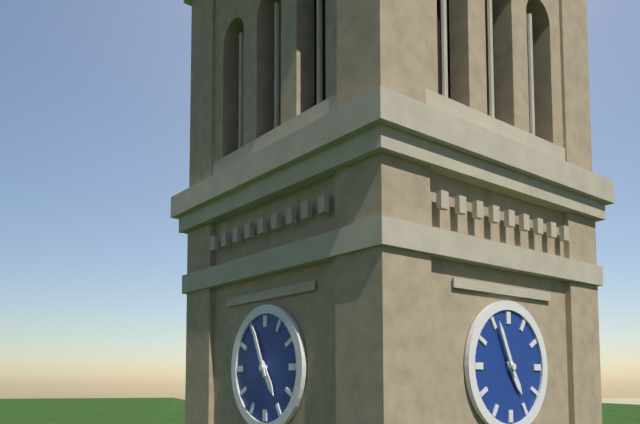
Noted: {"hour": 4, "minute": 56}
